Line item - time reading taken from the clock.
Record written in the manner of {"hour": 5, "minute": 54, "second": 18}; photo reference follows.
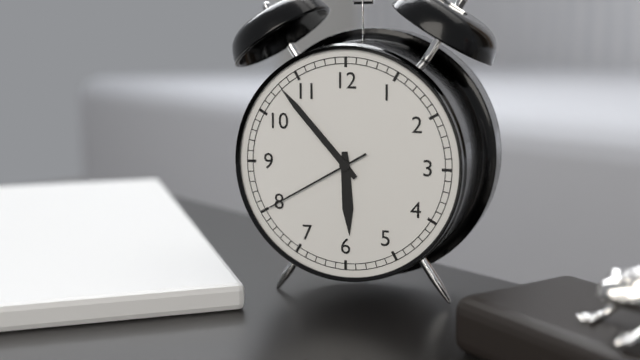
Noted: {"hour": 5, "minute": 53, "second": 40}
